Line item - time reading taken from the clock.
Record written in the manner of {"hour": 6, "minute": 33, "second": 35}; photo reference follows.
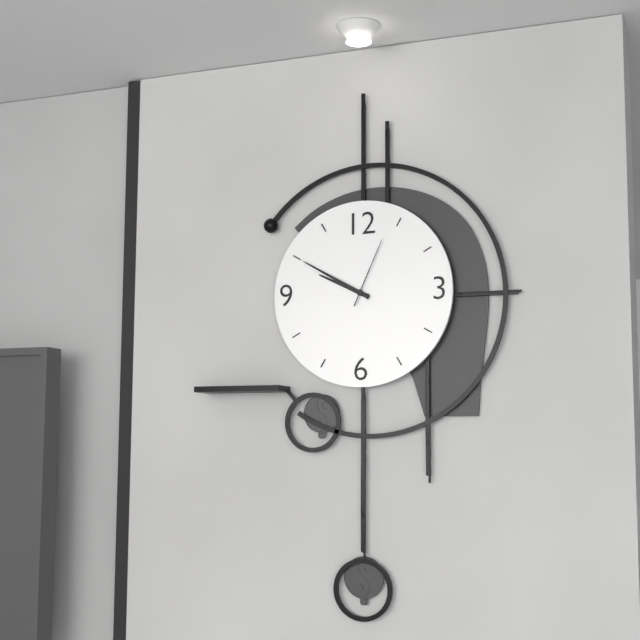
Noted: {"hour": 9, "minute": 50, "second": 4}
